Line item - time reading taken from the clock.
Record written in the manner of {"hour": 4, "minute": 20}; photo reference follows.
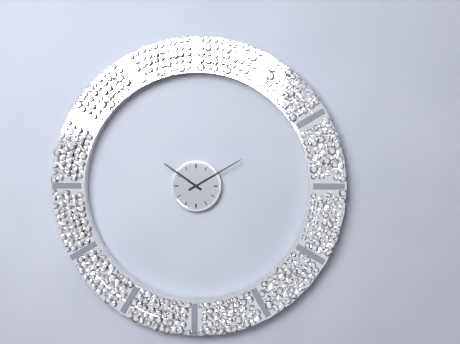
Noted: {"hour": 10, "minute": 10}
